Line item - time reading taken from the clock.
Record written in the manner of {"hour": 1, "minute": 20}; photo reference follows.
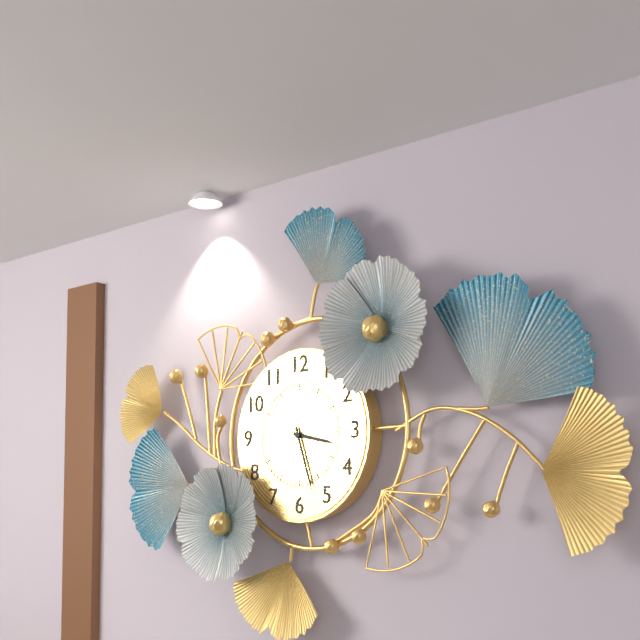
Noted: {"hour": 3, "minute": 27}
